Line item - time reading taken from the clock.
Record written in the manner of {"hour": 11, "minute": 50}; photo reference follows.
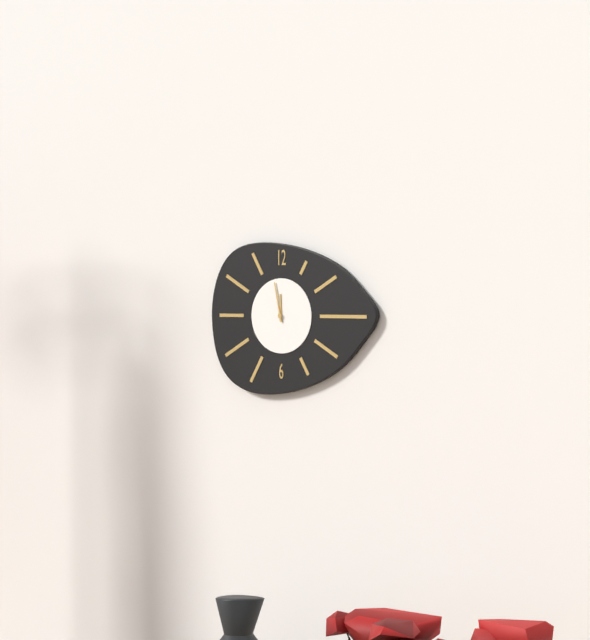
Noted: {"hour": 11, "minute": 58}
